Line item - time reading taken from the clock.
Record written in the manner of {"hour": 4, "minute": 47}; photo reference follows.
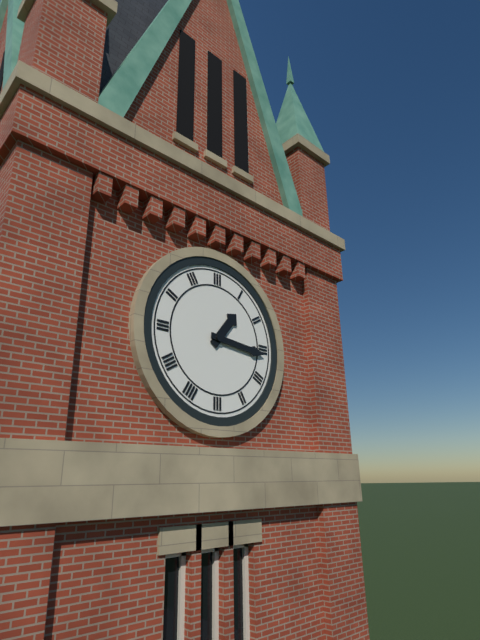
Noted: {"hour": 1, "minute": 16}
